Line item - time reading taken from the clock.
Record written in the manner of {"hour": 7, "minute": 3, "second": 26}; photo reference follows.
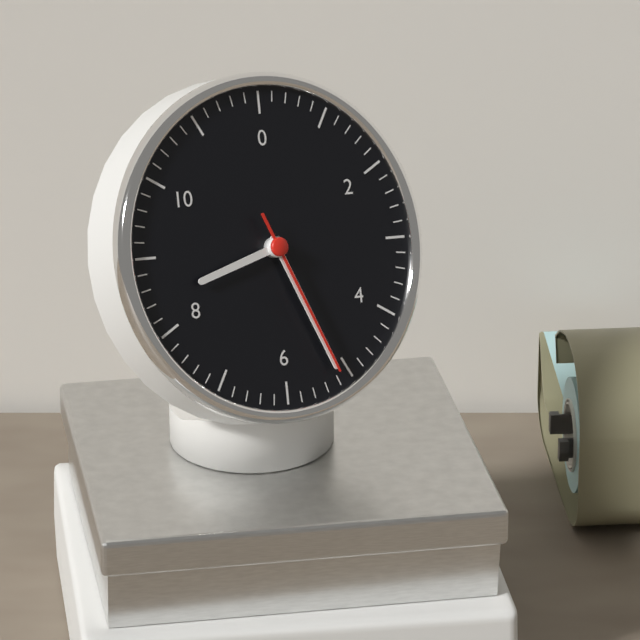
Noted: {"hour": 8, "minute": 26, "second": 26}
